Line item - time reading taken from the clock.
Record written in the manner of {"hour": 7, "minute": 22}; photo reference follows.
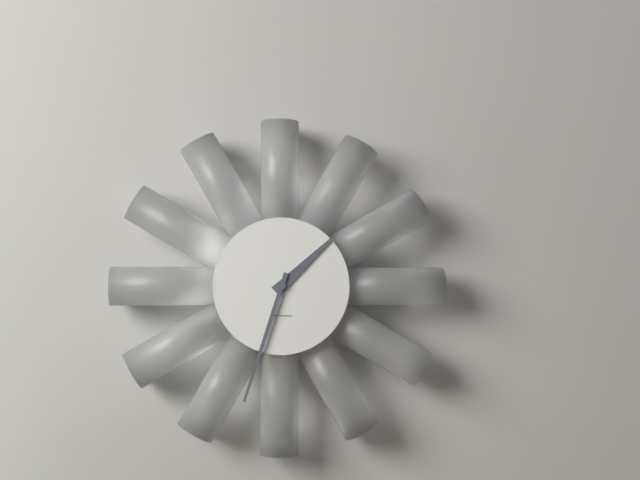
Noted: {"hour": 1, "minute": 33}
